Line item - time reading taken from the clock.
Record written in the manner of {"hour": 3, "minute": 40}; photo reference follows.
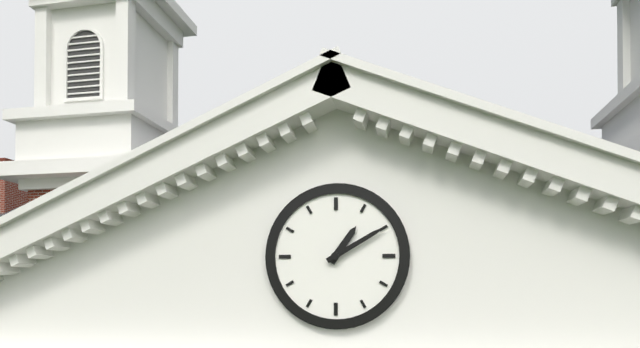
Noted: {"hour": 1, "minute": 10}
